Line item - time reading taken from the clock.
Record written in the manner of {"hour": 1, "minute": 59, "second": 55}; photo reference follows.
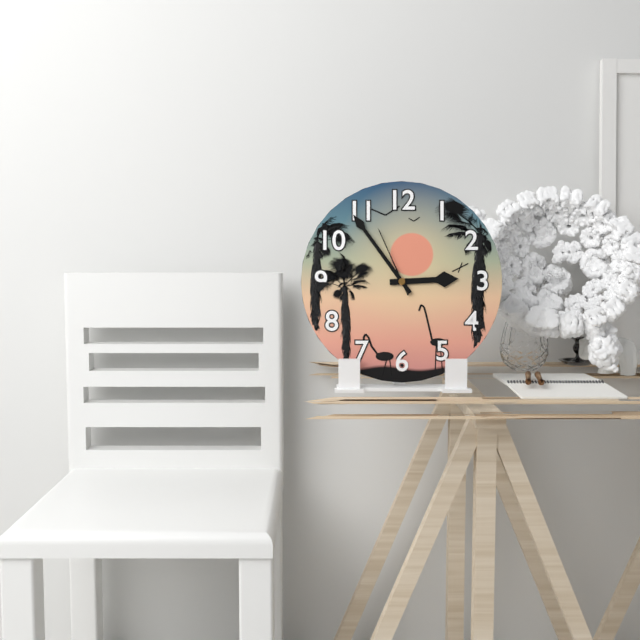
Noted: {"hour": 2, "minute": 54, "second": 56}
